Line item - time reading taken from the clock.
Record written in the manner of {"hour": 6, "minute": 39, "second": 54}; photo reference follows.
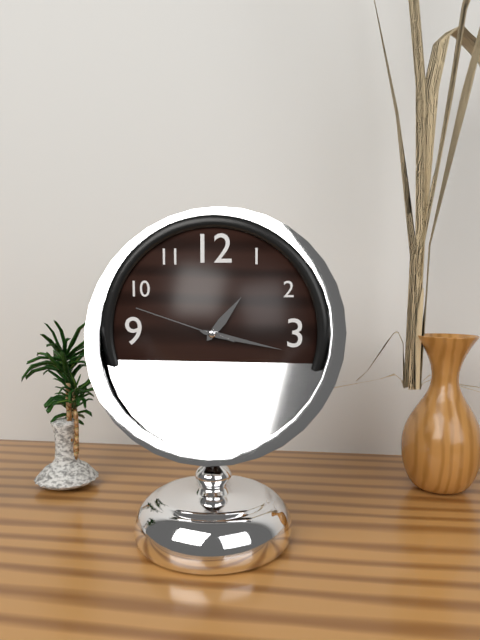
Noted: {"hour": 1, "minute": 17, "second": 48}
